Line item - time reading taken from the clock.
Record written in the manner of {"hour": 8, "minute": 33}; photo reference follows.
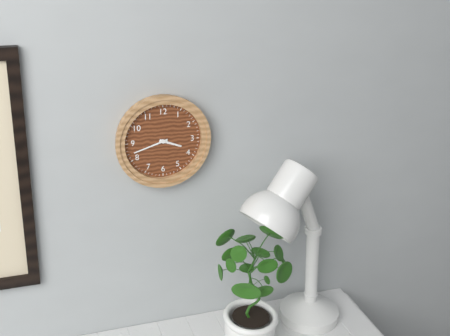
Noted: {"hour": 3, "minute": 42}
